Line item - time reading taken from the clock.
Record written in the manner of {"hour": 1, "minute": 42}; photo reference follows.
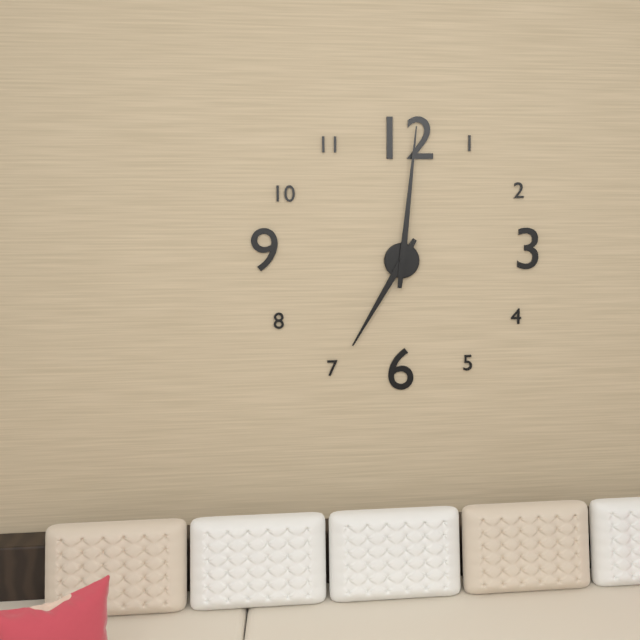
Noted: {"hour": 7, "minute": 1}
